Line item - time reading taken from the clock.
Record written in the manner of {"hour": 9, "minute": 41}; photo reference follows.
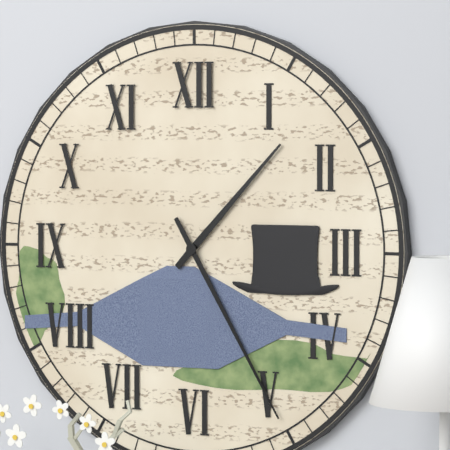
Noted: {"hour": 1, "minute": 25}
